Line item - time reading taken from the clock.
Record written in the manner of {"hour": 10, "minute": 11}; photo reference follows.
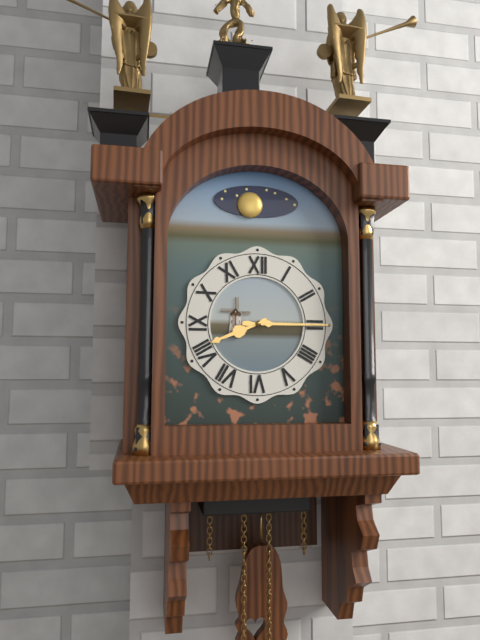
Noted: {"hour": 8, "minute": 15}
